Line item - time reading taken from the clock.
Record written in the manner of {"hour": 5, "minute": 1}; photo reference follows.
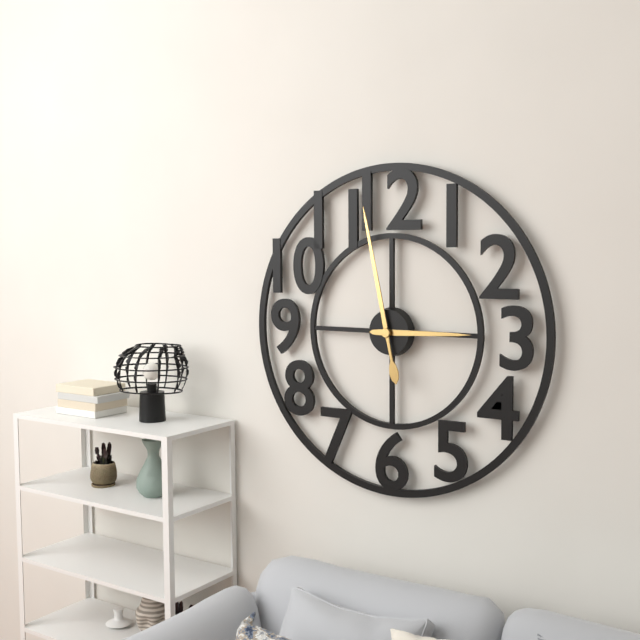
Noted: {"hour": 2, "minute": 58}
